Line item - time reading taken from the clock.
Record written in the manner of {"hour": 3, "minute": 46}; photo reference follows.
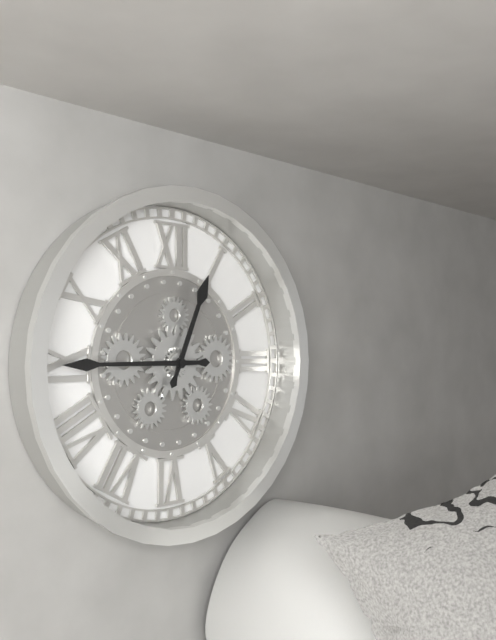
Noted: {"hour": 12, "minute": 45}
